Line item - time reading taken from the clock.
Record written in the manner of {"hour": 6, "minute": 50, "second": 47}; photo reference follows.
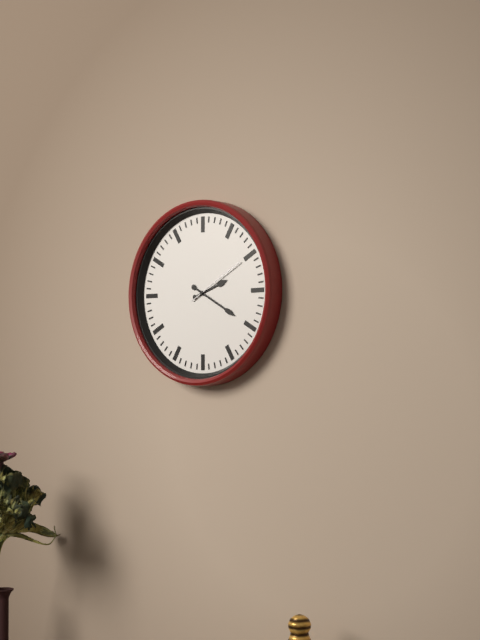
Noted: {"hour": 2, "minute": 20, "second": 10}
